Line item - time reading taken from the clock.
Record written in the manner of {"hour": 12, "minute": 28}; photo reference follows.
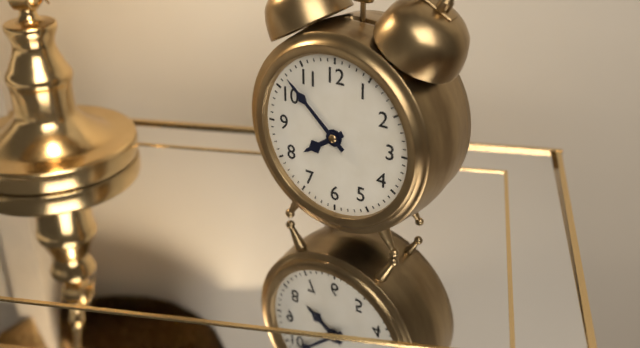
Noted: {"hour": 7, "minute": 52}
